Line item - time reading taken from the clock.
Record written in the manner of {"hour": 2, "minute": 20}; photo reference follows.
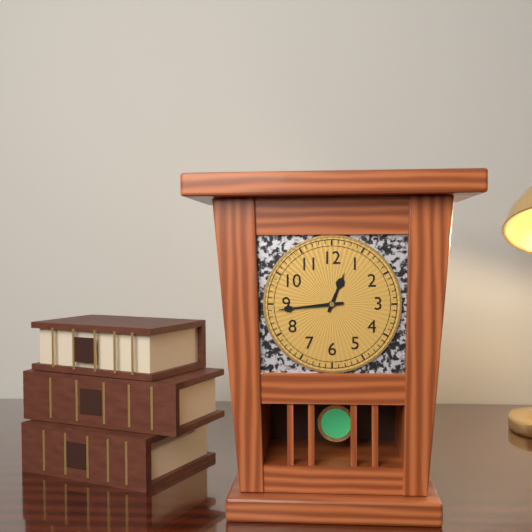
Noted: {"hour": 12, "minute": 44}
